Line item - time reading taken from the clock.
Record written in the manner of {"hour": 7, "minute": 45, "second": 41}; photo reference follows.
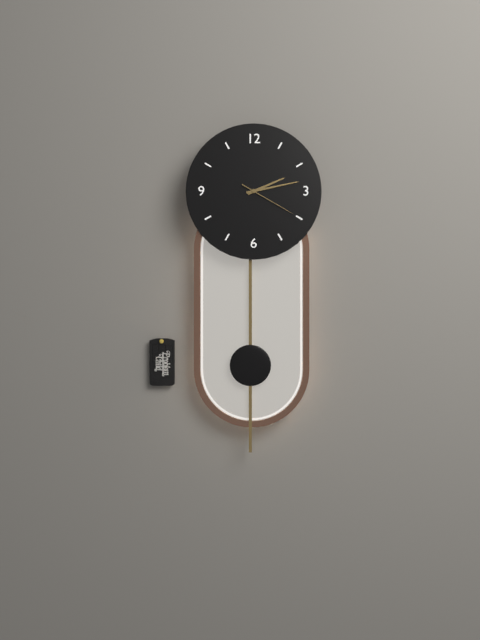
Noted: {"hour": 2, "minute": 13, "second": 20}
